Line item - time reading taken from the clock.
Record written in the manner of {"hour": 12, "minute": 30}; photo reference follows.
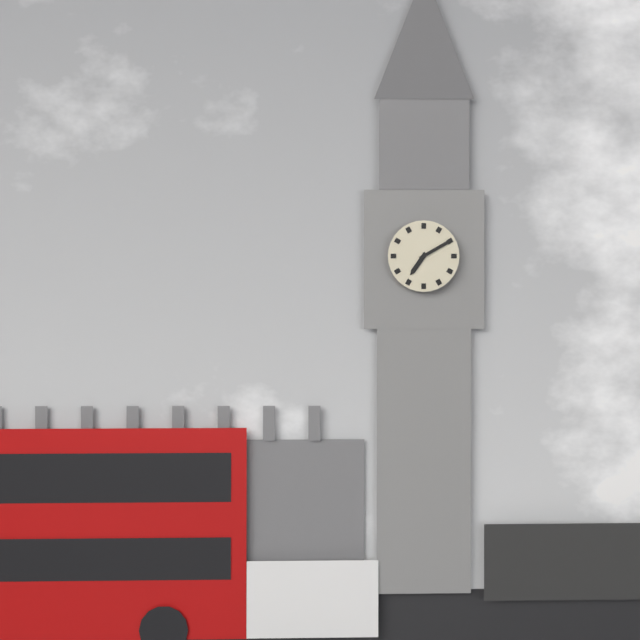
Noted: {"hour": 7, "minute": 10}
